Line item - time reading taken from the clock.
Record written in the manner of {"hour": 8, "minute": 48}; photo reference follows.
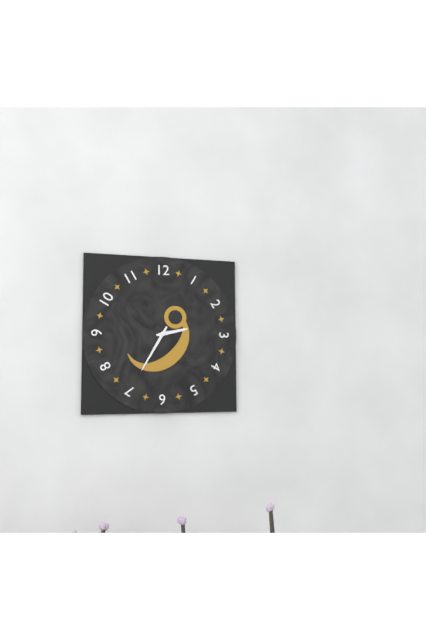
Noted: {"hour": 2, "minute": 35}
